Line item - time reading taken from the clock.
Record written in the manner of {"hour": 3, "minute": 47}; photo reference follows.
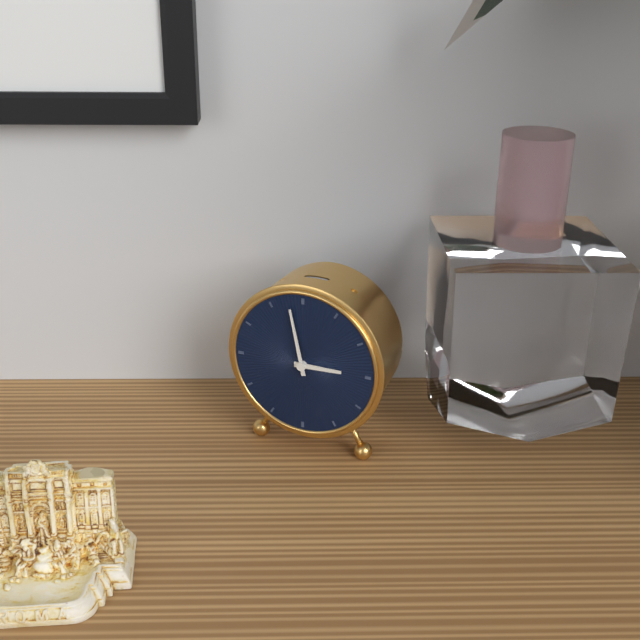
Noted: {"hour": 2, "minute": 58}
